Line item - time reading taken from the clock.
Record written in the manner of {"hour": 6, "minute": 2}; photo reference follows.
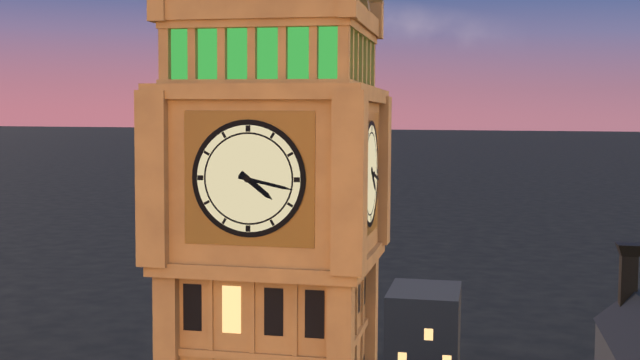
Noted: {"hour": 4, "minute": 17}
